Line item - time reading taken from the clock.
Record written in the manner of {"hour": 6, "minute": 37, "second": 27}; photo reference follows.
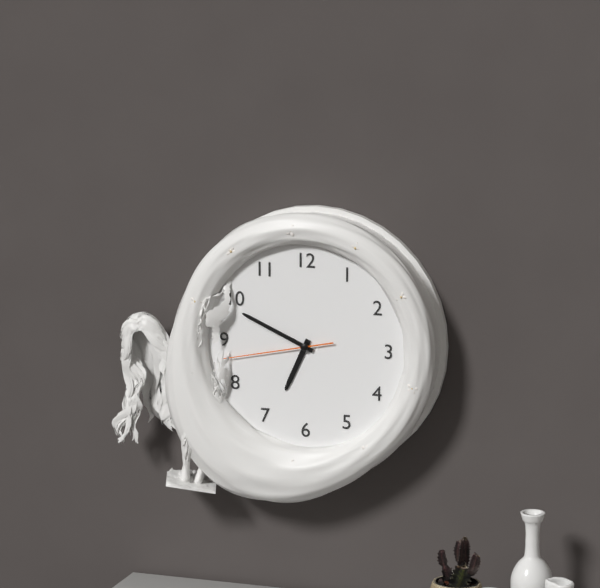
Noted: {"hour": 6, "minute": 49, "second": 43}
